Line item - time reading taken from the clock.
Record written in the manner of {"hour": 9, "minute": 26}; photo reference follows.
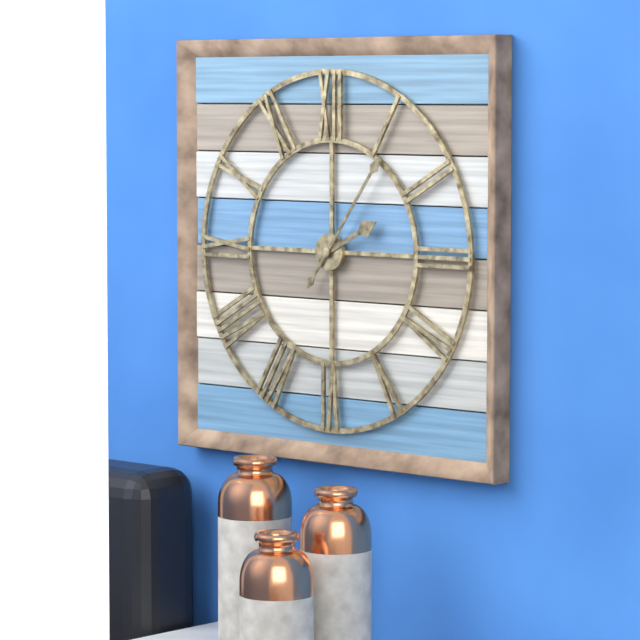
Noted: {"hour": 2, "minute": 6}
